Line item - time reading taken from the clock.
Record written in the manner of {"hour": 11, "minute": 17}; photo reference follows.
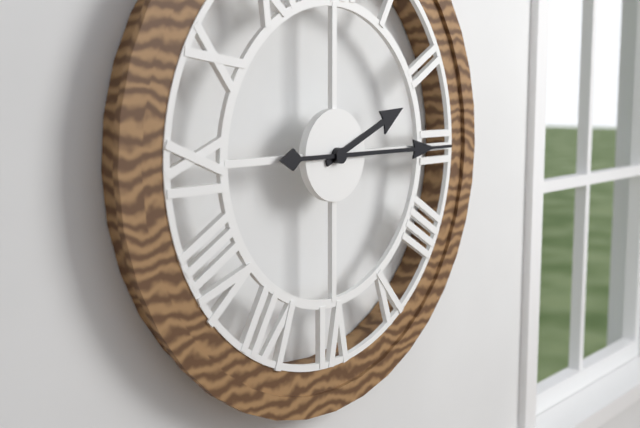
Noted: {"hour": 2, "minute": 15}
